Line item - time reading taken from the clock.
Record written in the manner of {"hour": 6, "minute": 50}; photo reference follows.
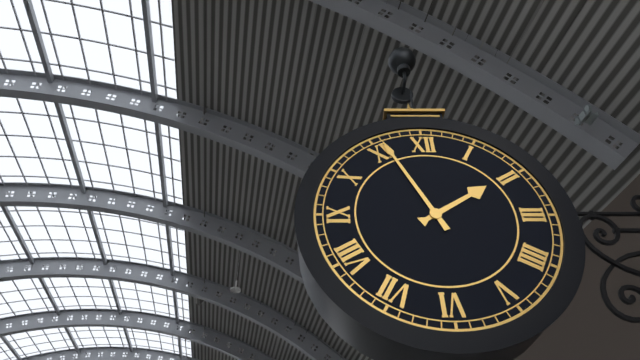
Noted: {"hour": 1, "minute": 56}
